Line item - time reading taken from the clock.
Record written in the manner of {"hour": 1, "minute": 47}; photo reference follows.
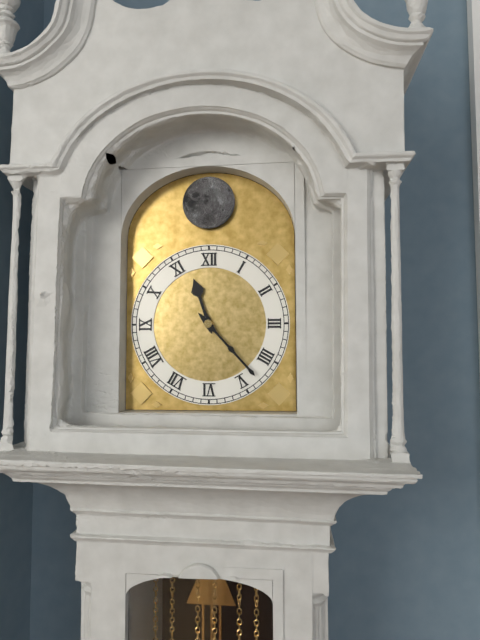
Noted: {"hour": 11, "minute": 23}
